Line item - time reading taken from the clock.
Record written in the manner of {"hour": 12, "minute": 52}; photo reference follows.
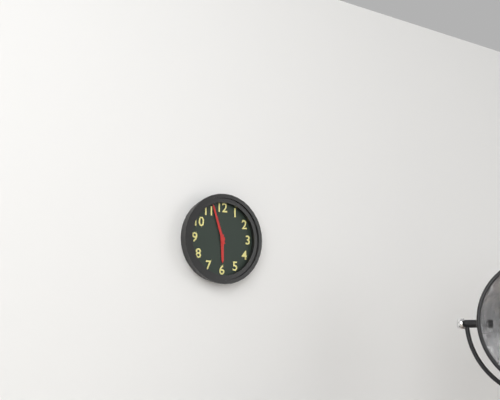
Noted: {"hour": 5, "minute": 57}
